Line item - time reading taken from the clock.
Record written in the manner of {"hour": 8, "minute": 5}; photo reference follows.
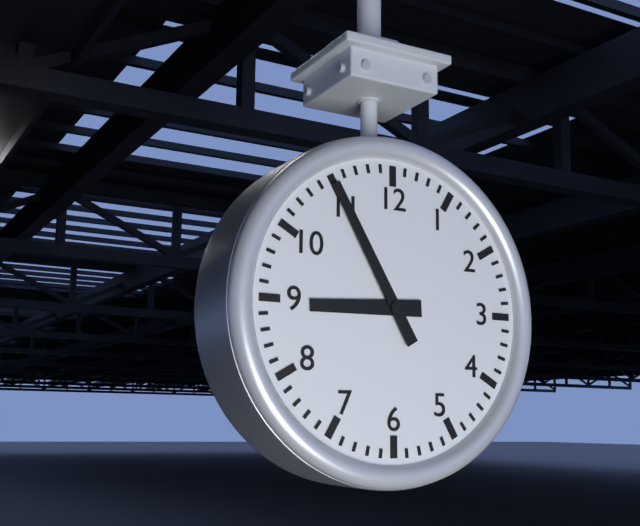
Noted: {"hour": 8, "minute": 55}
